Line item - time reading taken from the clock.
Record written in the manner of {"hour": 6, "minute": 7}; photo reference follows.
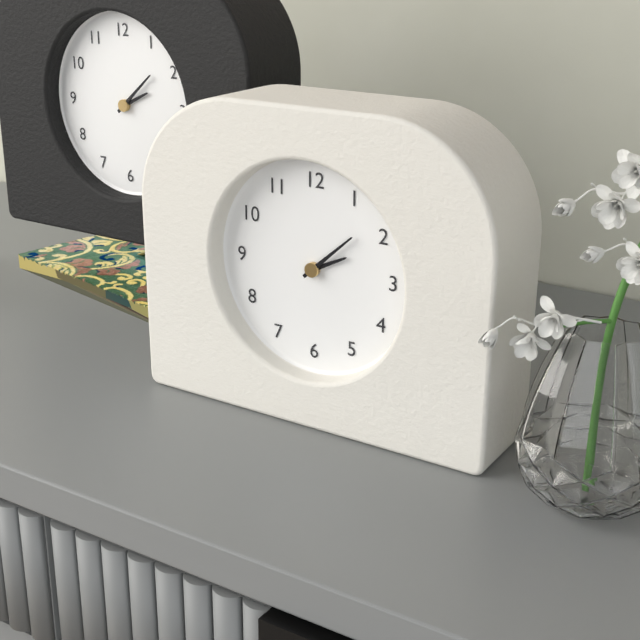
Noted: {"hour": 2, "minute": 8}
